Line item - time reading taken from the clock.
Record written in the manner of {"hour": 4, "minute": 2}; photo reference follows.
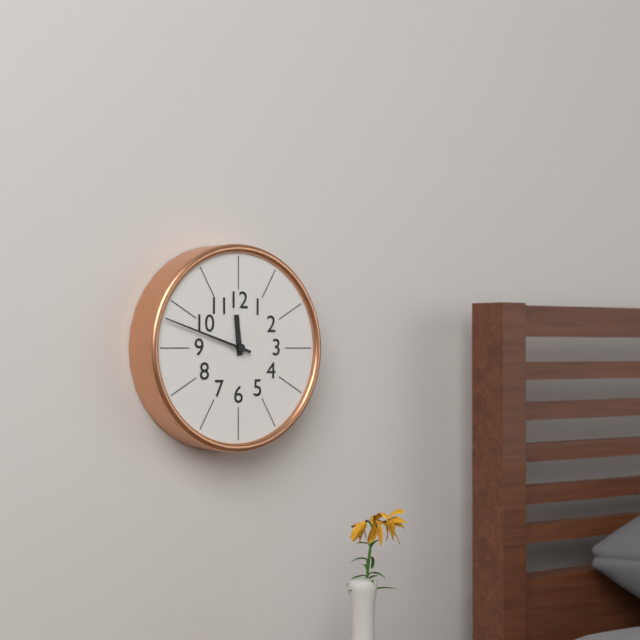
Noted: {"hour": 11, "minute": 48}
